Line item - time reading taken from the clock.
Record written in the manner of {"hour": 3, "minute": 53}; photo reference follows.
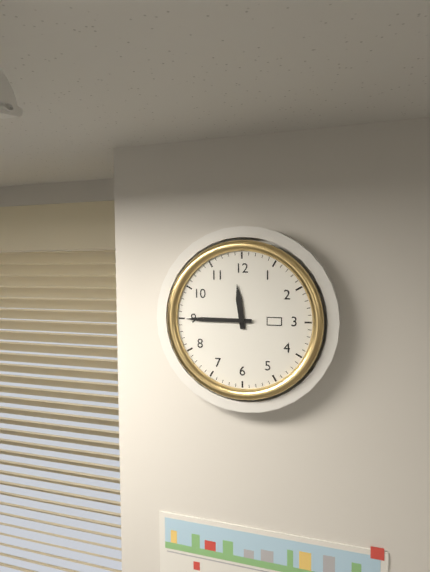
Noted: {"hour": 11, "minute": 45}
